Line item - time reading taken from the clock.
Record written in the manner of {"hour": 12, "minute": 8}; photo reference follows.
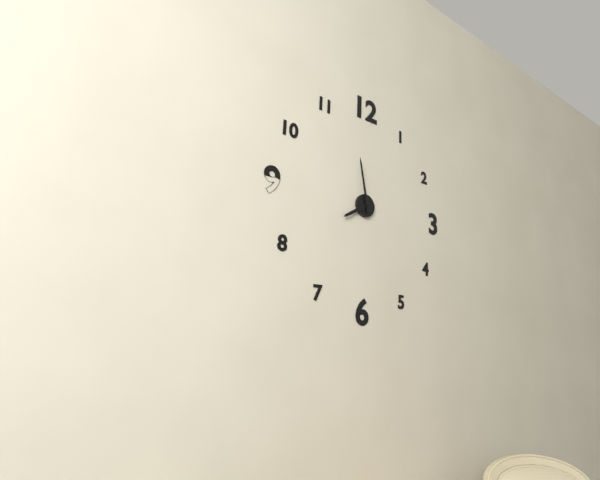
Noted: {"hour": 7, "minute": 58}
